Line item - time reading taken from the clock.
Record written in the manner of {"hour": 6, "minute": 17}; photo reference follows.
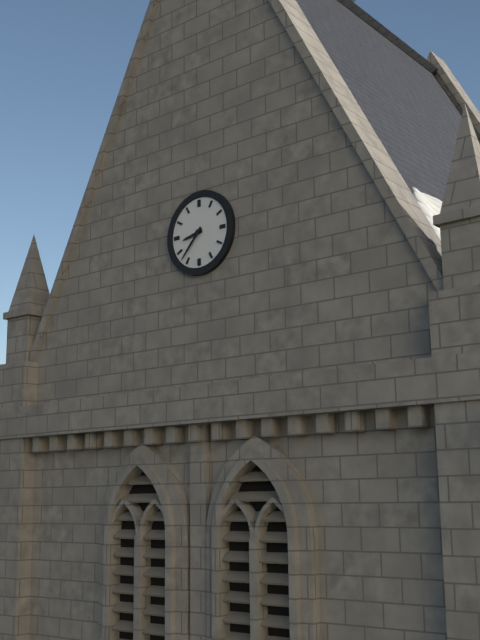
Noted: {"hour": 8, "minute": 37}
